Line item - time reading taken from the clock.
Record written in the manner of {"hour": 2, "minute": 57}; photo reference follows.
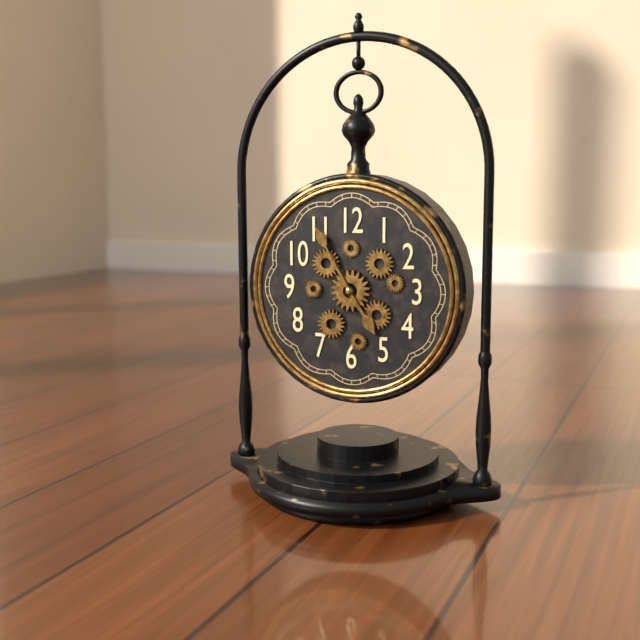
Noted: {"hour": 4, "minute": 55}
